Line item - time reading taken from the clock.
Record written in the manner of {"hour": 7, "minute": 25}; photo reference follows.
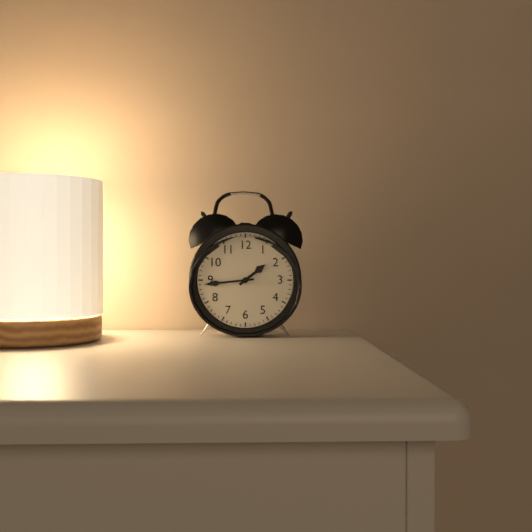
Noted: {"hour": 1, "minute": 44}
